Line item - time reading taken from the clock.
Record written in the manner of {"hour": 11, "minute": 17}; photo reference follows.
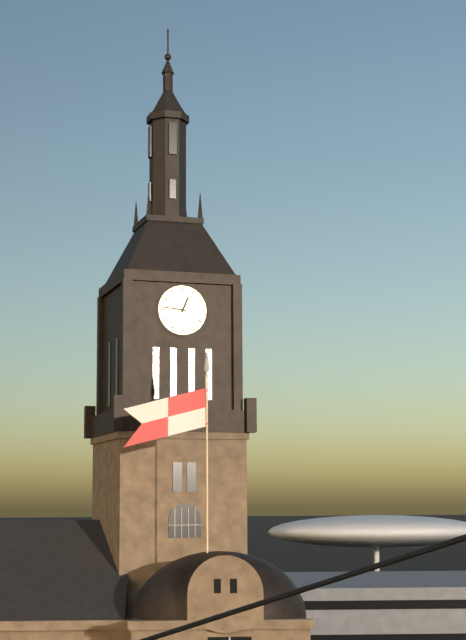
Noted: {"hour": 12, "minute": 46}
